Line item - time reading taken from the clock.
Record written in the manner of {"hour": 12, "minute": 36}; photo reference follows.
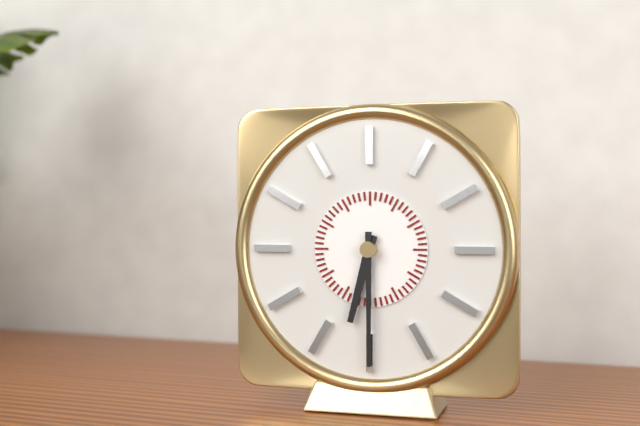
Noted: {"hour": 6, "minute": 30}
